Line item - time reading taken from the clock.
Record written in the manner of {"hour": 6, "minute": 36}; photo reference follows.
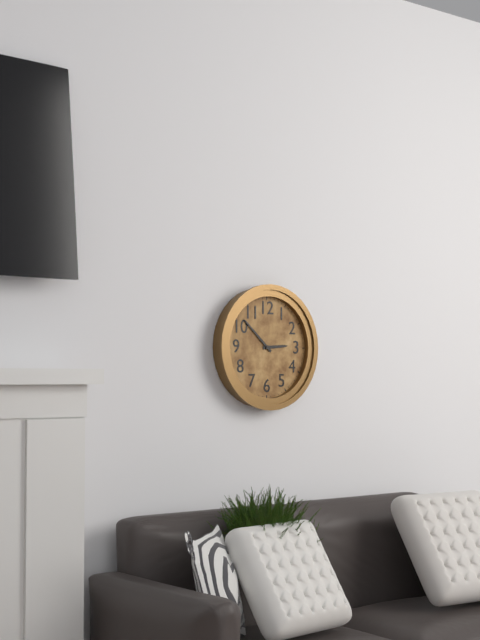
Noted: {"hour": 2, "minute": 52}
